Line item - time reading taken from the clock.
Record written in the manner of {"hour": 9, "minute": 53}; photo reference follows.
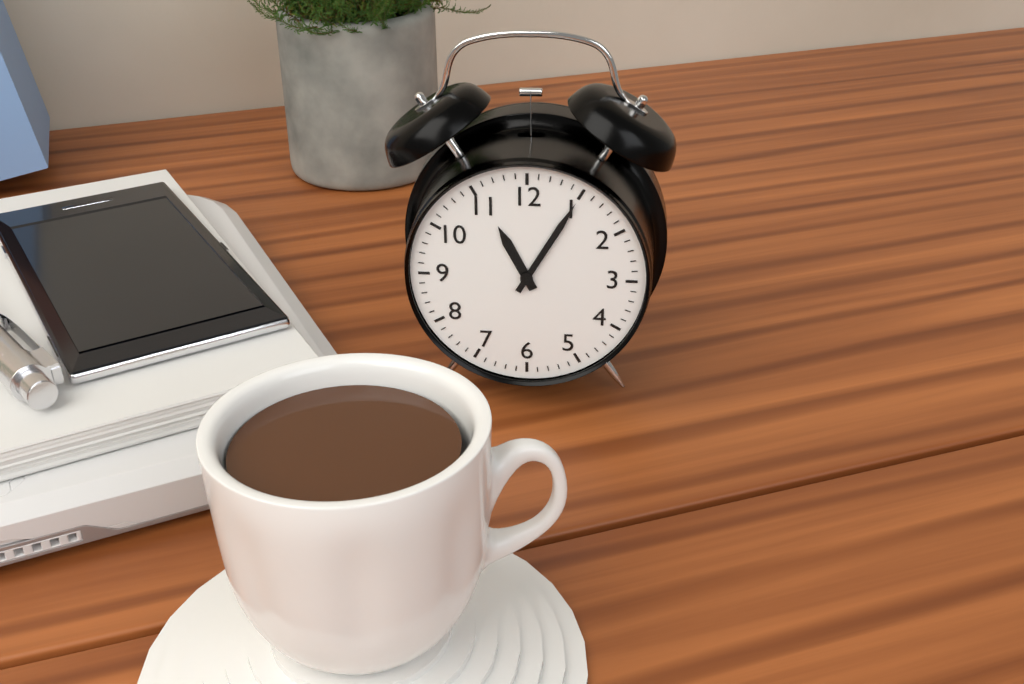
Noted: {"hour": 11, "minute": 5}
